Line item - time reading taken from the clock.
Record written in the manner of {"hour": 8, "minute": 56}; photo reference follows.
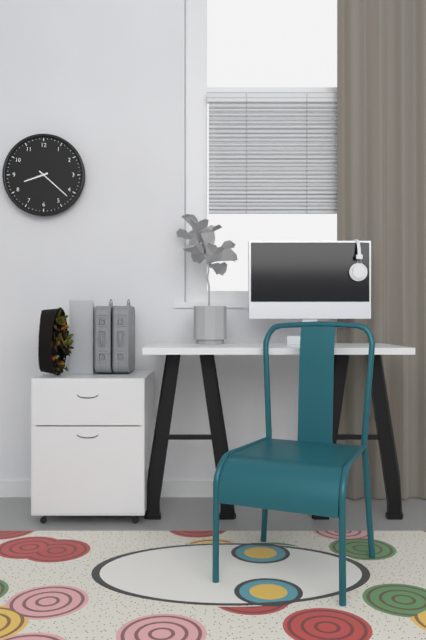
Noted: {"hour": 8, "minute": 22}
